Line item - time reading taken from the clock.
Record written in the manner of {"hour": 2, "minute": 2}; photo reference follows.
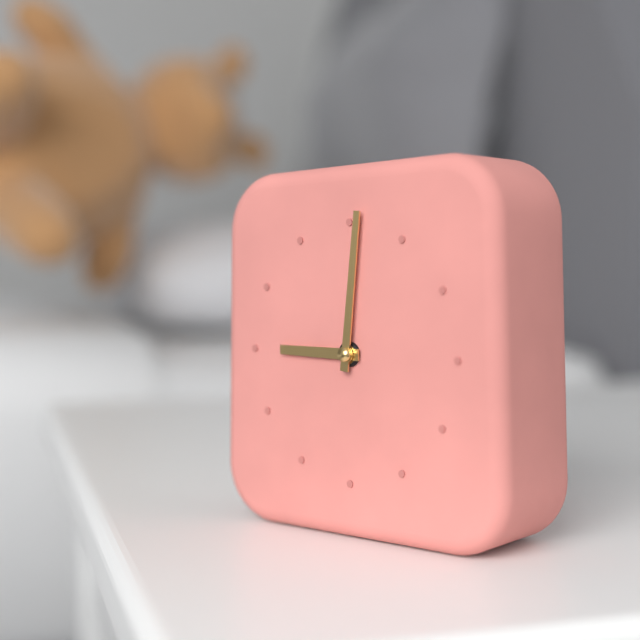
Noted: {"hour": 9, "minute": 1}
